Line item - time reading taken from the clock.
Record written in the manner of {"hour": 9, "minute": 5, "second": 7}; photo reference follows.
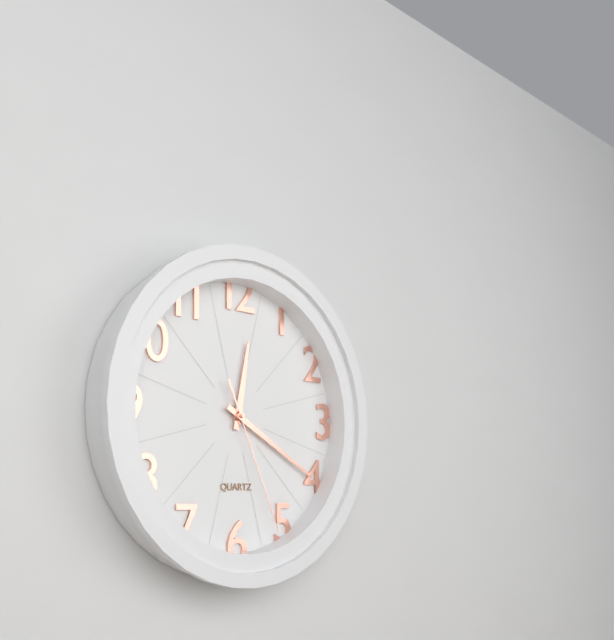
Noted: {"hour": 12, "minute": 20, "second": 26}
